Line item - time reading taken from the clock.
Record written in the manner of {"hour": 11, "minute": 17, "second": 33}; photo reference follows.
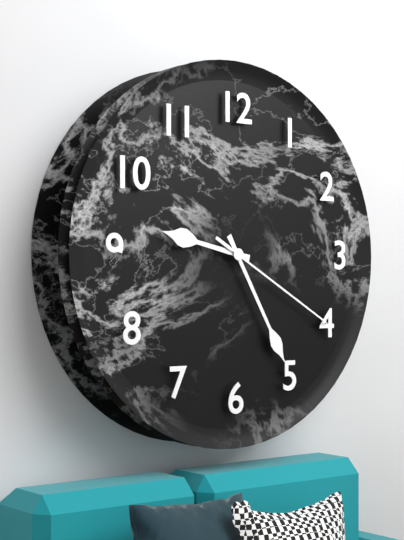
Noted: {"hour": 9, "minute": 25, "second": 20}
